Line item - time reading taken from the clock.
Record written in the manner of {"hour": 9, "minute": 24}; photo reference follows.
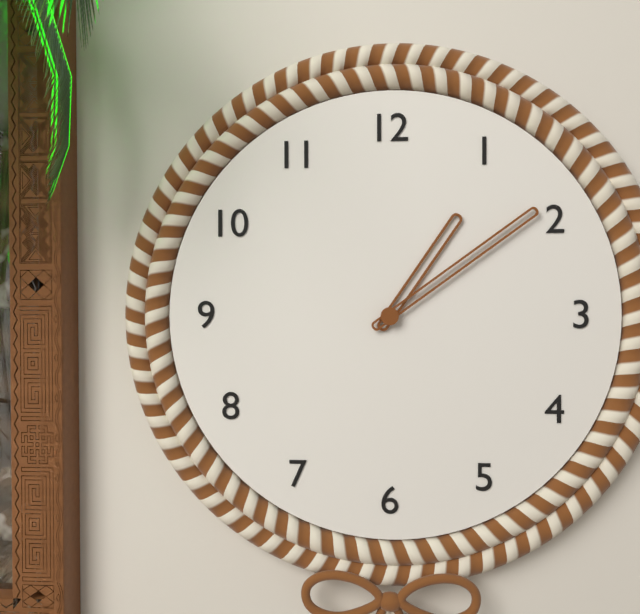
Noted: {"hour": 1, "minute": 9}
